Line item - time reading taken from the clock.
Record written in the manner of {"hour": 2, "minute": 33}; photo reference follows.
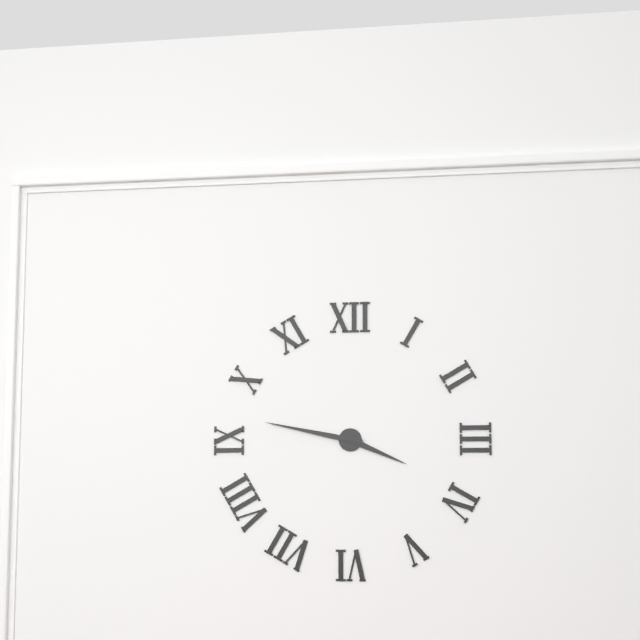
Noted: {"hour": 3, "minute": 47}
